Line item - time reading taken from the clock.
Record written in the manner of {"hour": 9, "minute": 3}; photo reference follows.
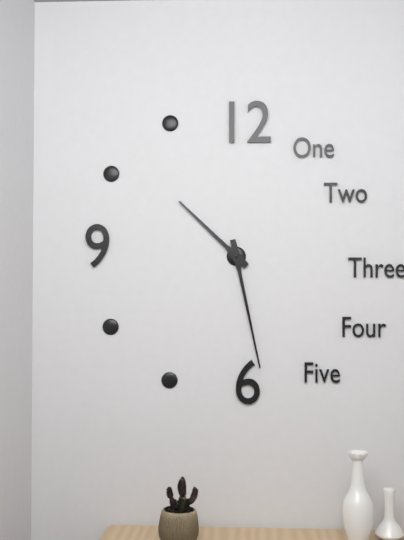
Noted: {"hour": 10, "minute": 28}
